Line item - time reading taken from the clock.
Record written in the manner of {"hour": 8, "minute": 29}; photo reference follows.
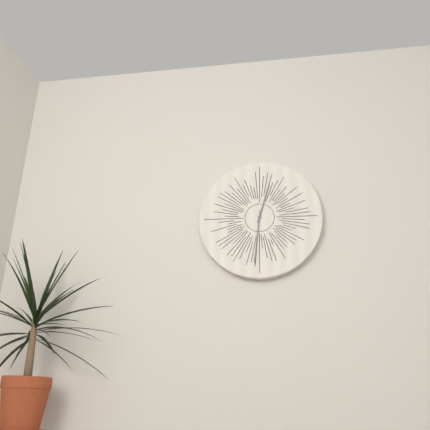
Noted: {"hour": 12, "minute": 31}
